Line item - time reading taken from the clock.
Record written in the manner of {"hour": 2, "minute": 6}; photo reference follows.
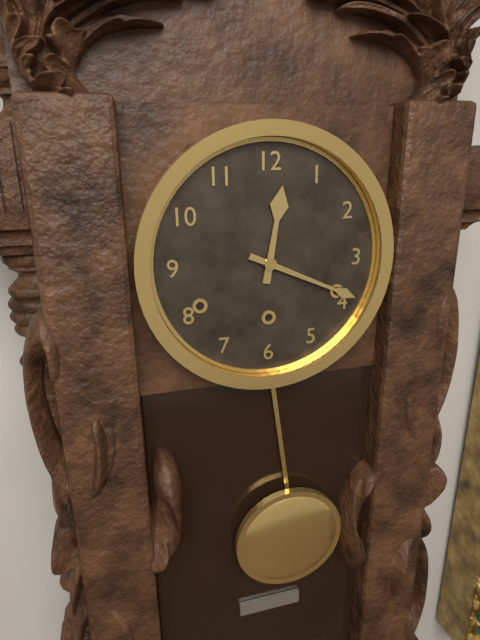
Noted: {"hour": 12, "minute": 19}
